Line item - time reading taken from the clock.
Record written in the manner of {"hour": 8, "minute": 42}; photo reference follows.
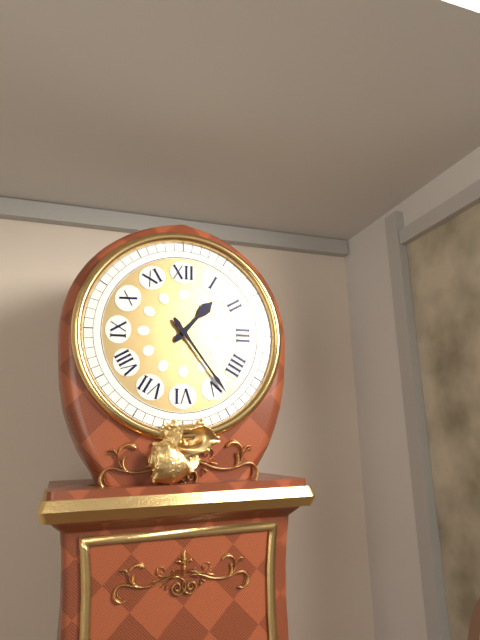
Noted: {"hour": 1, "minute": 24}
